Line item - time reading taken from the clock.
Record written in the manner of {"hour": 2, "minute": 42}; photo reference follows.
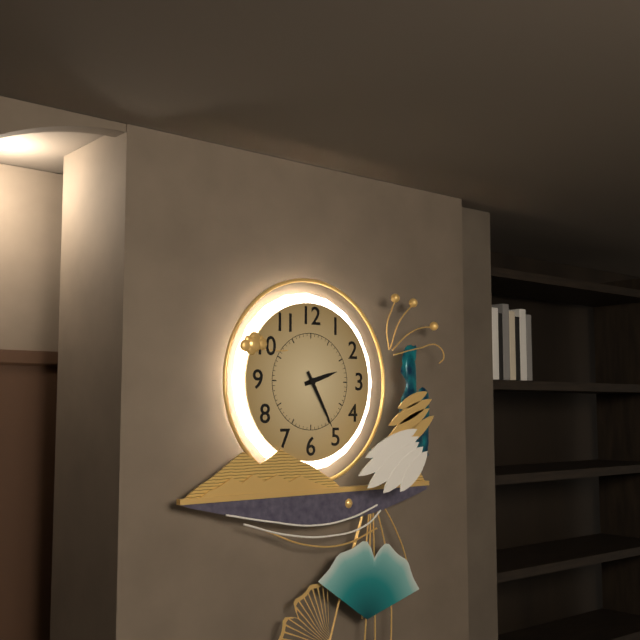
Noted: {"hour": 2, "minute": 25}
